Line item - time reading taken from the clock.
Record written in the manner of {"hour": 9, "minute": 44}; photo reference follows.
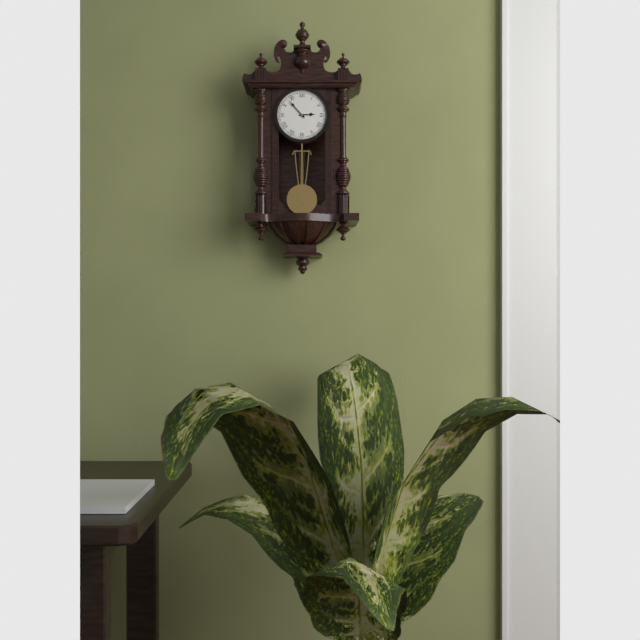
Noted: {"hour": 2, "minute": 53}
